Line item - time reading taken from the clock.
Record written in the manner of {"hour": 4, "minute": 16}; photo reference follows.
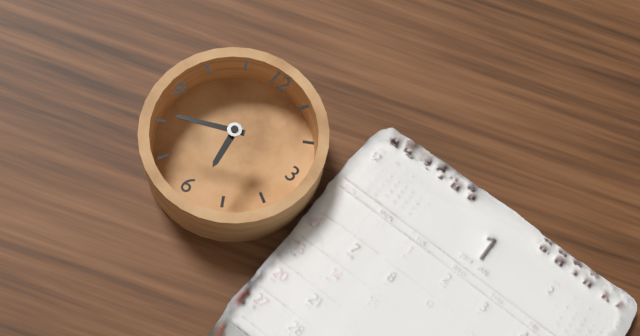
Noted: {"hour": 5, "minute": 41}
